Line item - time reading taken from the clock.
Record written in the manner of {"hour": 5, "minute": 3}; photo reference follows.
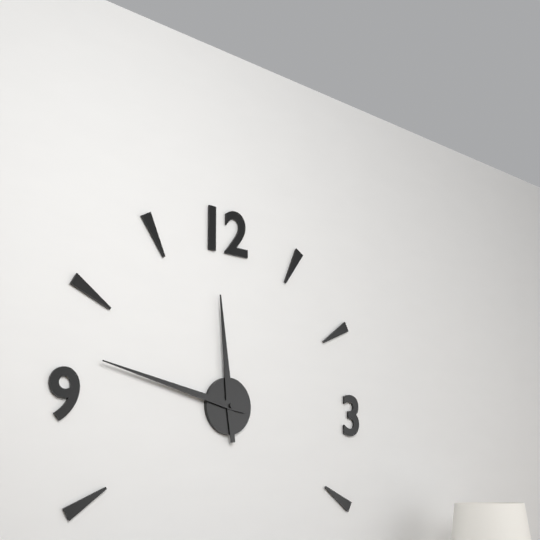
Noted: {"hour": 11, "minute": 47}
